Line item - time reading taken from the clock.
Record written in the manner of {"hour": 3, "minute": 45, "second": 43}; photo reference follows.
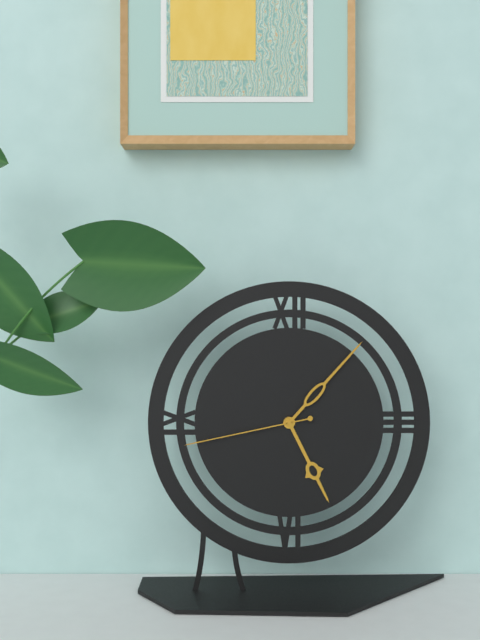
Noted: {"hour": 5, "minute": 7, "second": 43}
